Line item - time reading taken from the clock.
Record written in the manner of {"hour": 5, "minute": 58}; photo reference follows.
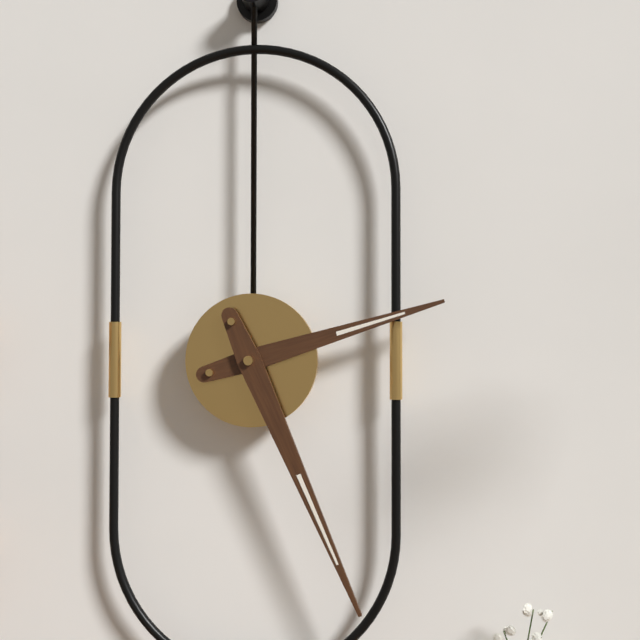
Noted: {"hour": 2, "minute": 26}
